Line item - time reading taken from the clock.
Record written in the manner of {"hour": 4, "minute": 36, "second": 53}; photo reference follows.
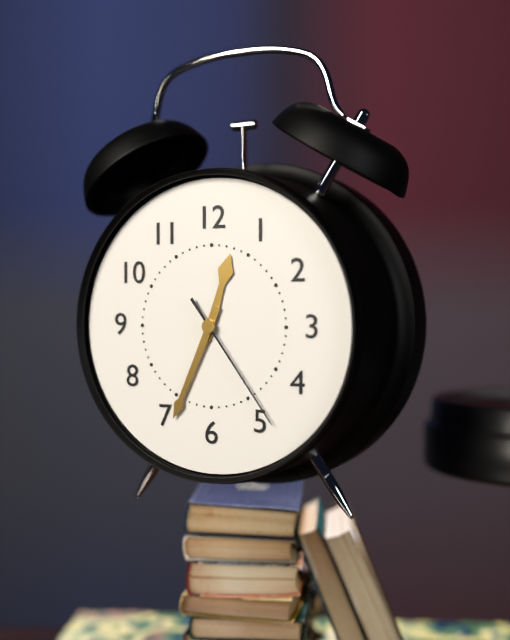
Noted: {"hour": 12, "minute": 34, "second": 24}
